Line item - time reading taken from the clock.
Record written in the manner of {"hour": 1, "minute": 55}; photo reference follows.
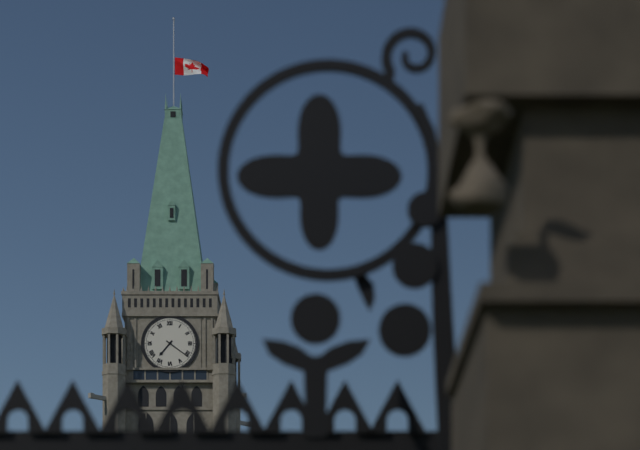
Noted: {"hour": 7, "minute": 21}
